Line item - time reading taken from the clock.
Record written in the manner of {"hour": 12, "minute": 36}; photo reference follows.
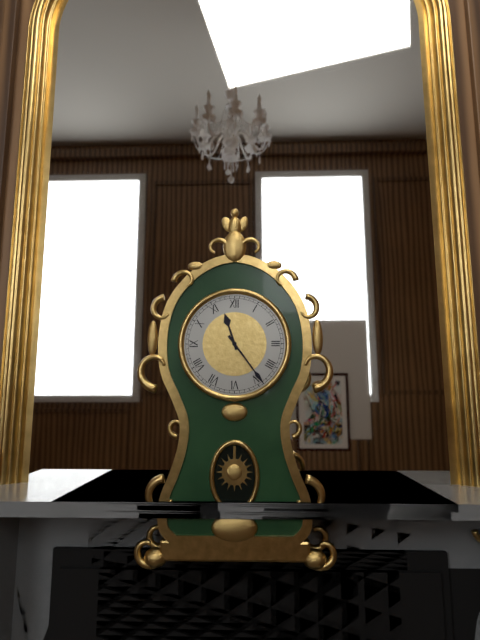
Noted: {"hour": 11, "minute": 24}
